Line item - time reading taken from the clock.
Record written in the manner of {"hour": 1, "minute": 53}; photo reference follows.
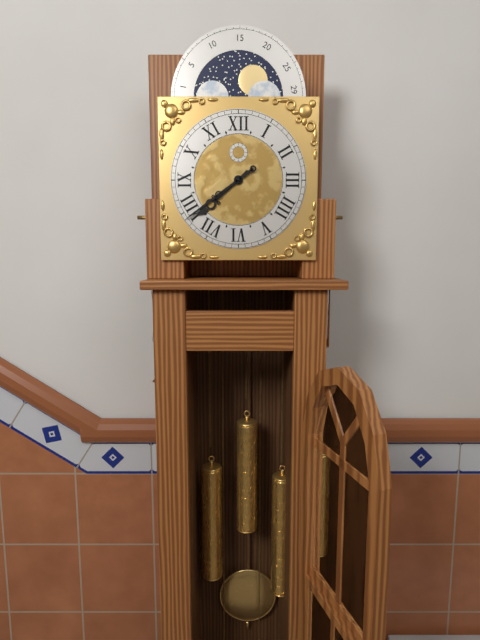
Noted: {"hour": 7, "minute": 39}
